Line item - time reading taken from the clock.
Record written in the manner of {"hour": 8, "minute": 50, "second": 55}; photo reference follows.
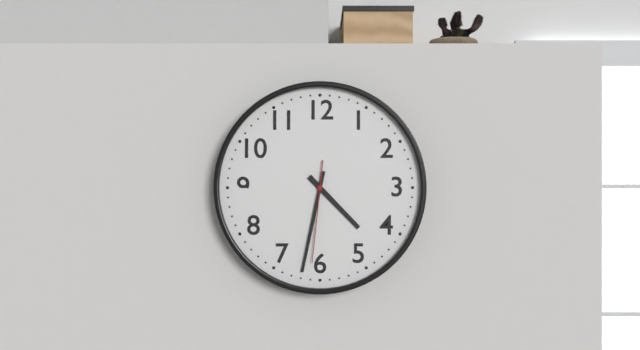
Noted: {"hour": 4, "minute": 32, "second": 31}
